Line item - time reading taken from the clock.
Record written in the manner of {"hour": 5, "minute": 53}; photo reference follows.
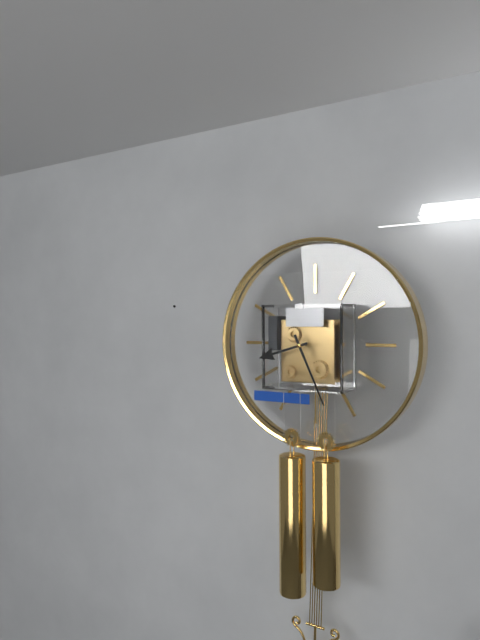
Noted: {"hour": 8, "minute": 26}
